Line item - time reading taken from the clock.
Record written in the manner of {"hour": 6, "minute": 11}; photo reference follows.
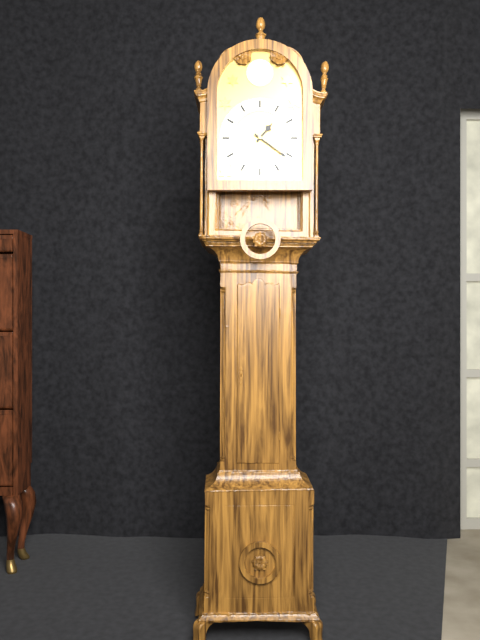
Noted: {"hour": 1, "minute": 21}
